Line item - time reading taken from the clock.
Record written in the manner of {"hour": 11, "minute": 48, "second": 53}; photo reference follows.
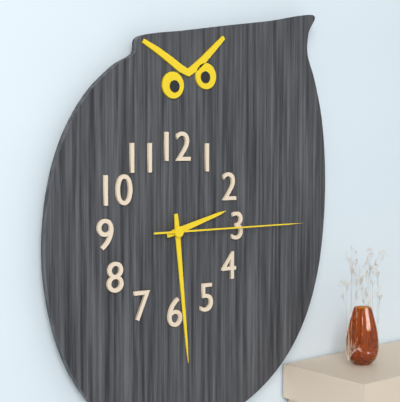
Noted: {"hour": 2, "minute": 29, "second": 15}
